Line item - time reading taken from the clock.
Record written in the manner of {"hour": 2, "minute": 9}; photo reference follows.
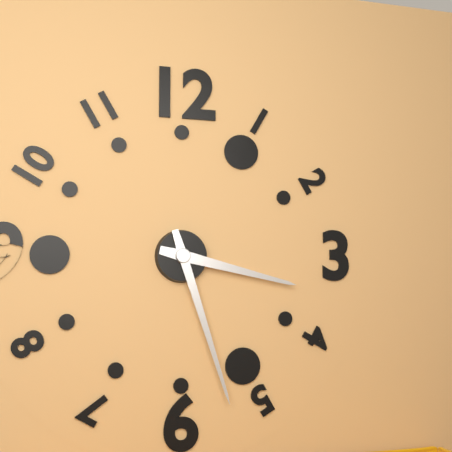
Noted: {"hour": 3, "minute": 27}
